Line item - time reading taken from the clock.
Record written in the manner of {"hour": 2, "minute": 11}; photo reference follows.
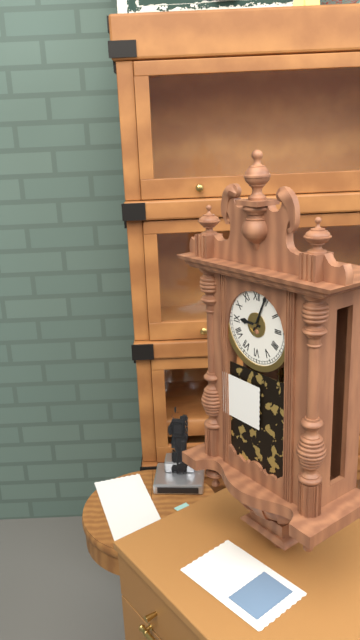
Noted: {"hour": 9, "minute": 4}
